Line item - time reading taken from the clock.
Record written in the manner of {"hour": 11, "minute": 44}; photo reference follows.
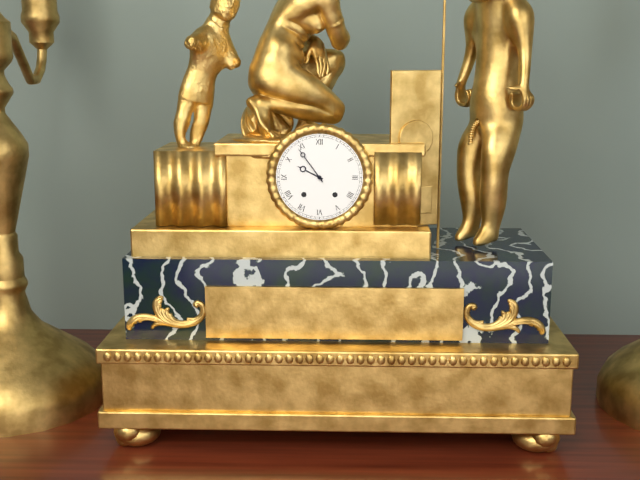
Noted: {"hour": 9, "minute": 54}
